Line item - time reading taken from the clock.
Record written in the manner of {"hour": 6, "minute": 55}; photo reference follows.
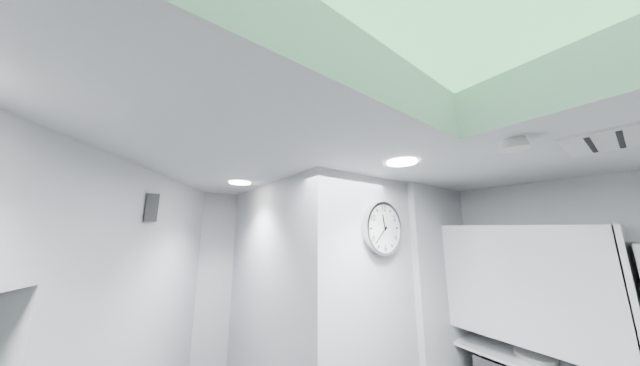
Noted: {"hour": 11, "minute": 38}
